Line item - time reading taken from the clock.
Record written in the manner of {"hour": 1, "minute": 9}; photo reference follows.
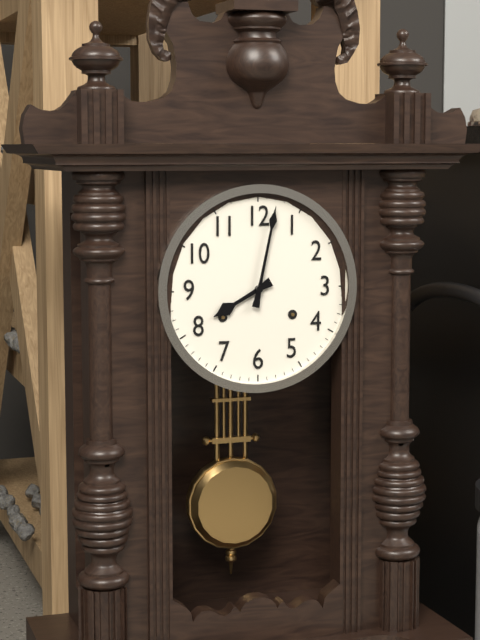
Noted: {"hour": 8, "minute": 2}
